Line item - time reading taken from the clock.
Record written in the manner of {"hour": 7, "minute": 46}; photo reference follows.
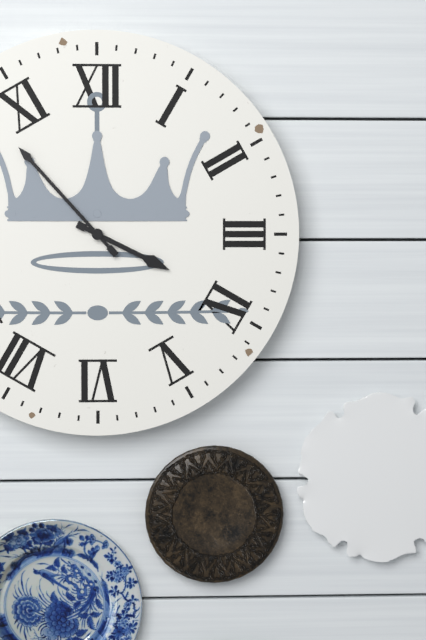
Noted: {"hour": 3, "minute": 53}
